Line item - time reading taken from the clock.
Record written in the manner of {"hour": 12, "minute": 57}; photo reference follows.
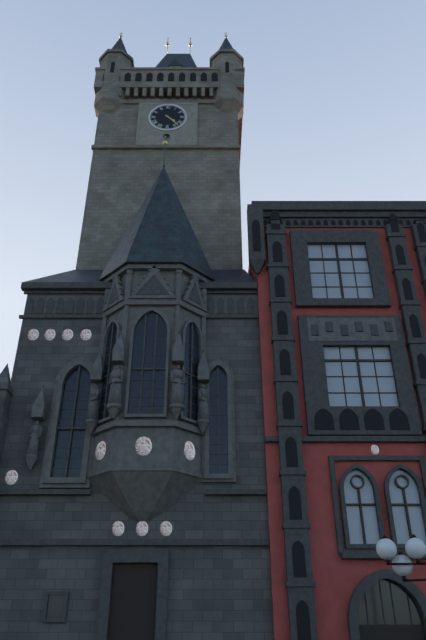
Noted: {"hour": 4, "minute": 23}
